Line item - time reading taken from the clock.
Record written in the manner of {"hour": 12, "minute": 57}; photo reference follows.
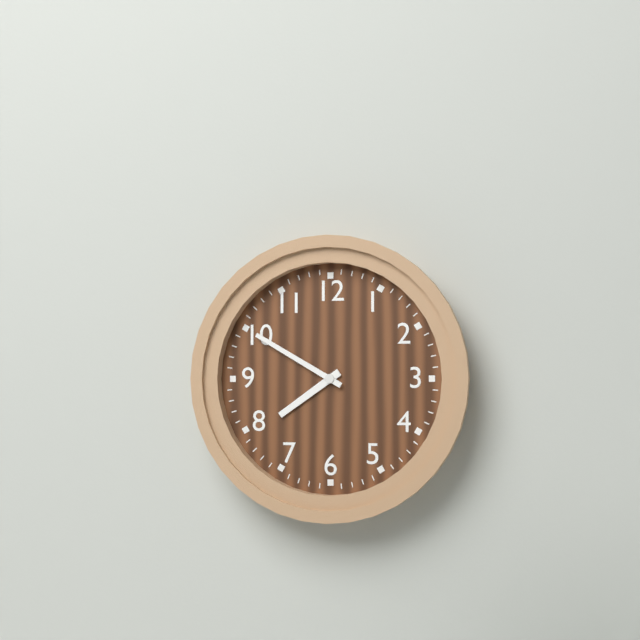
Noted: {"hour": 7, "minute": 50}
